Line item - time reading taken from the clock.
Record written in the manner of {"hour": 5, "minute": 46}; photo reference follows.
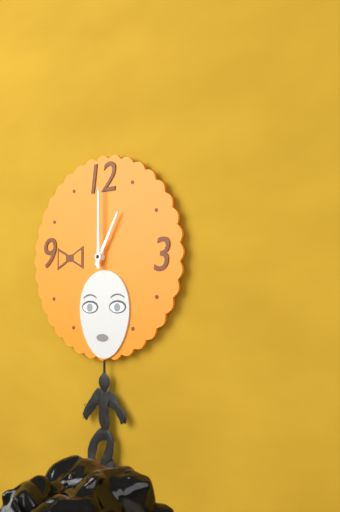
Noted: {"hour": 1, "minute": 0}
